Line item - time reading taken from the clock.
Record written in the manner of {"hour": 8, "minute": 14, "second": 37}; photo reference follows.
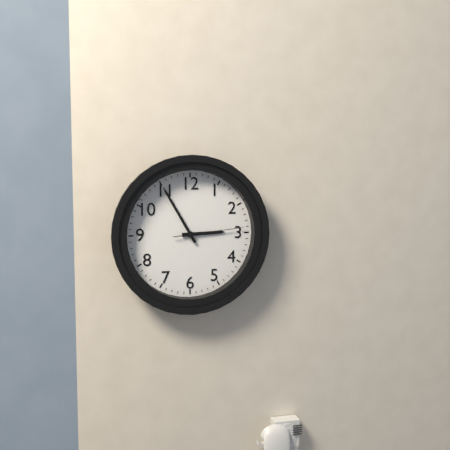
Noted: {"hour": 2, "minute": 55, "second": 14}
